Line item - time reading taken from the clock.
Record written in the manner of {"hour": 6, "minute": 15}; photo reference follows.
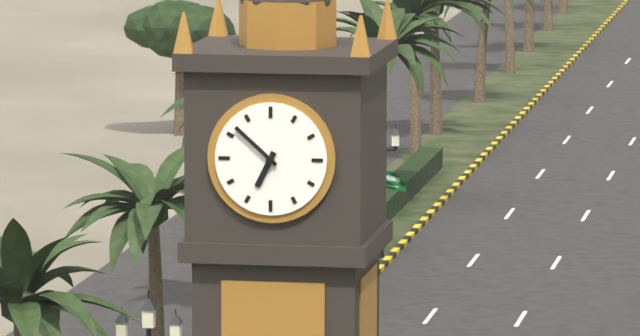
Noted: {"hour": 6, "minute": 52}
